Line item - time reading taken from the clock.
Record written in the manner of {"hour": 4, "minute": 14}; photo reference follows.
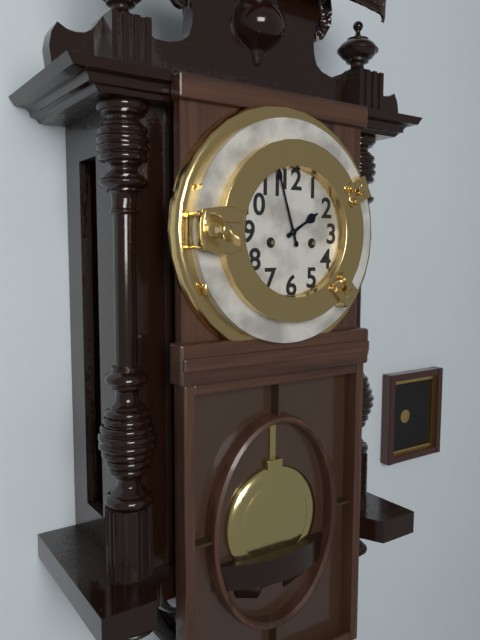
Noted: {"hour": 1, "minute": 57}
